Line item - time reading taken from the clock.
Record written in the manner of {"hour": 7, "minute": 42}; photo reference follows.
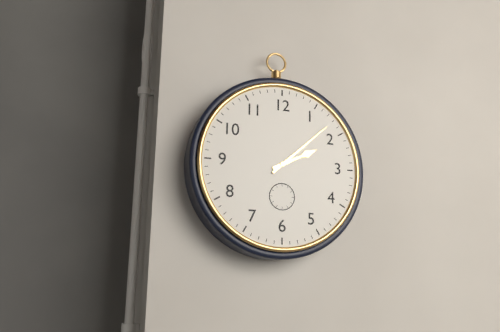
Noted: {"hour": 2, "minute": 8}
